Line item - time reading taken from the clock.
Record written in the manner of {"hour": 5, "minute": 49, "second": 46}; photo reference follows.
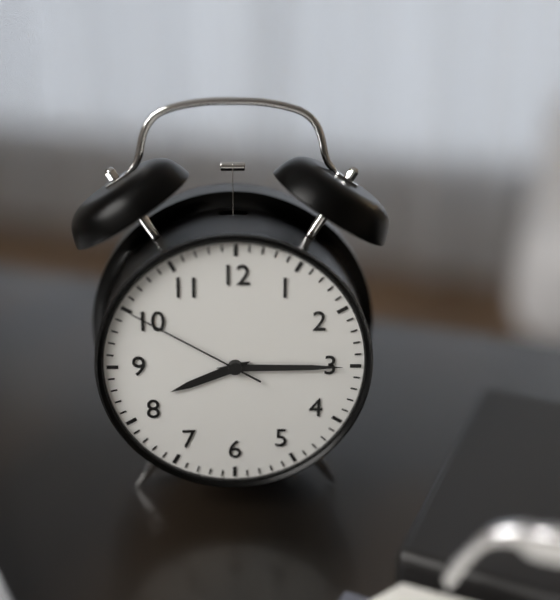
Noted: {"hour": 8, "minute": 15, "second": 50}
